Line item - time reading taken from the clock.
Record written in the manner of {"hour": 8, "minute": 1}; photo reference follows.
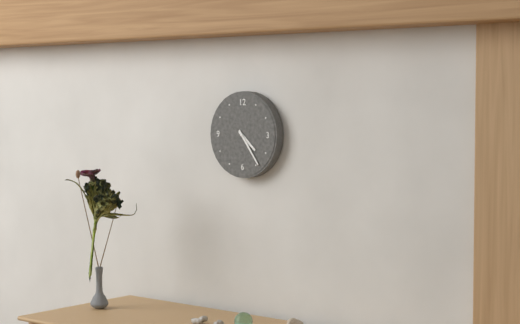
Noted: {"hour": 4, "minute": 24}
